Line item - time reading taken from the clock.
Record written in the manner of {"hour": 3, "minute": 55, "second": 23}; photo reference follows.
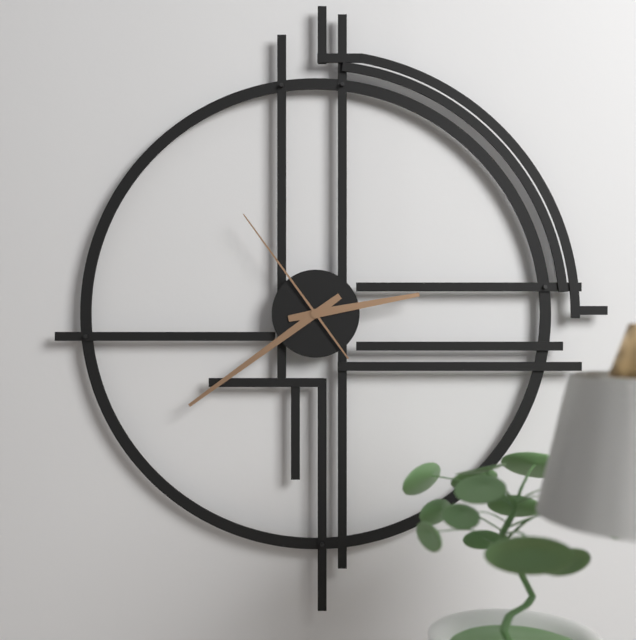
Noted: {"hour": 2, "minute": 39, "second": 54}
